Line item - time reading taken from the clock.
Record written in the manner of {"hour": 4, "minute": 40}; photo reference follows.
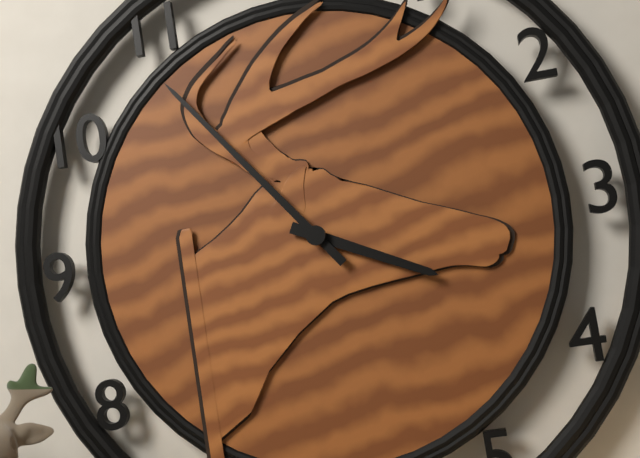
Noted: {"hour": 3, "minute": 54}
